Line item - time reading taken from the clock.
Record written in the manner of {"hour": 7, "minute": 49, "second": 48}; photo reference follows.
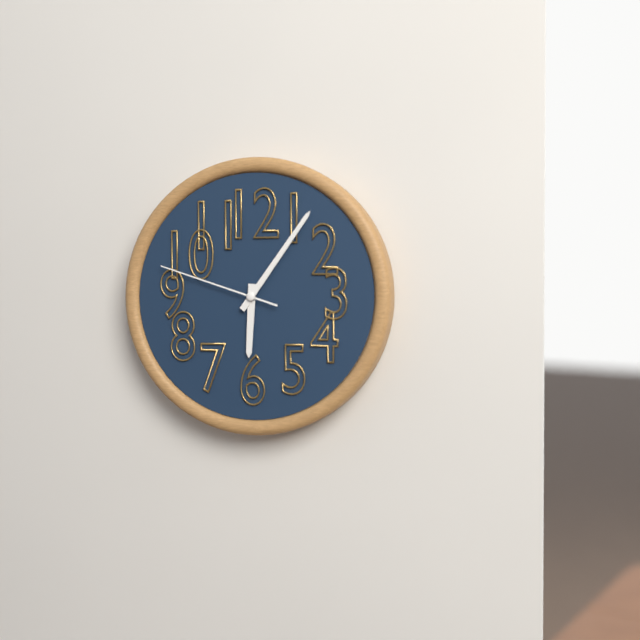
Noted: {"hour": 6, "minute": 6, "second": 48}
